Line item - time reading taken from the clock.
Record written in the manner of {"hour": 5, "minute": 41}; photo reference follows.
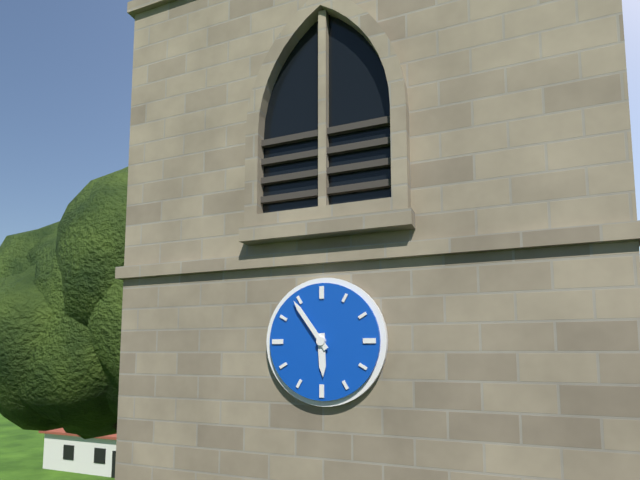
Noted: {"hour": 5, "minute": 54}
